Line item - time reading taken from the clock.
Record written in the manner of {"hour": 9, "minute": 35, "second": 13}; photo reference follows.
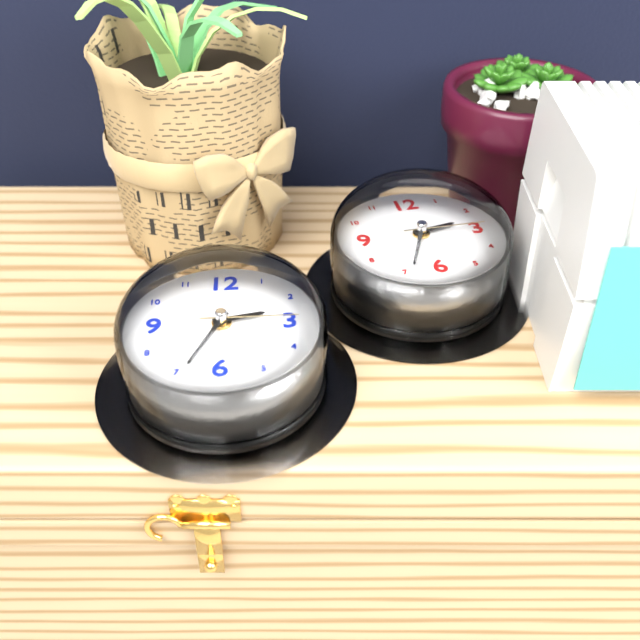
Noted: {"hour": 2, "minute": 34, "second": 15}
